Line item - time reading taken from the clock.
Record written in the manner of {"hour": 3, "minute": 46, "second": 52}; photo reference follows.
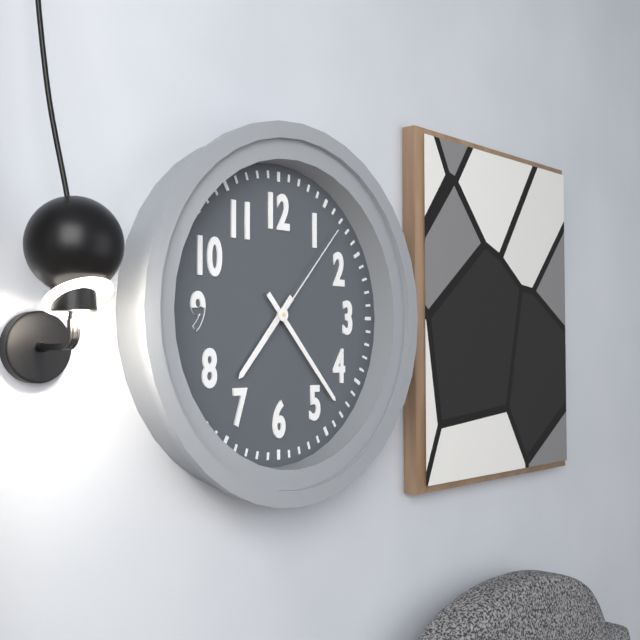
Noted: {"hour": 7, "minute": 23, "second": 7}
